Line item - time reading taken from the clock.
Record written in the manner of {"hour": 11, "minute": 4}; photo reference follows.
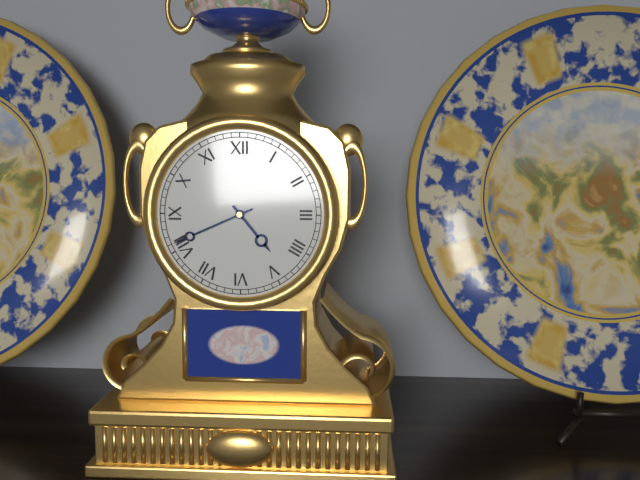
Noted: {"hour": 4, "minute": 41}
